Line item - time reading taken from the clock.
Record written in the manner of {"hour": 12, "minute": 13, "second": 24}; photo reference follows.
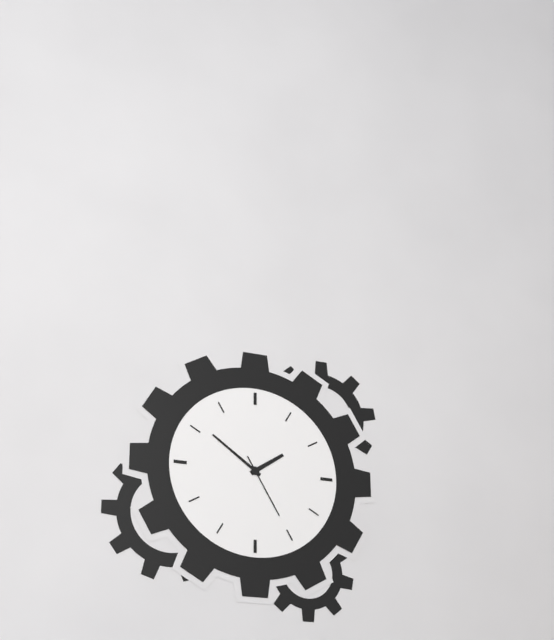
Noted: {"hour": 1, "minute": 51, "second": 25}
